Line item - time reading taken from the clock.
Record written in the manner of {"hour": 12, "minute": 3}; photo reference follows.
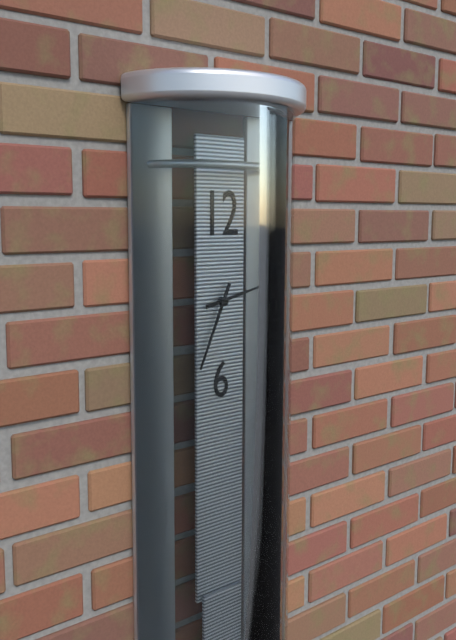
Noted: {"hour": 2, "minute": 34}
